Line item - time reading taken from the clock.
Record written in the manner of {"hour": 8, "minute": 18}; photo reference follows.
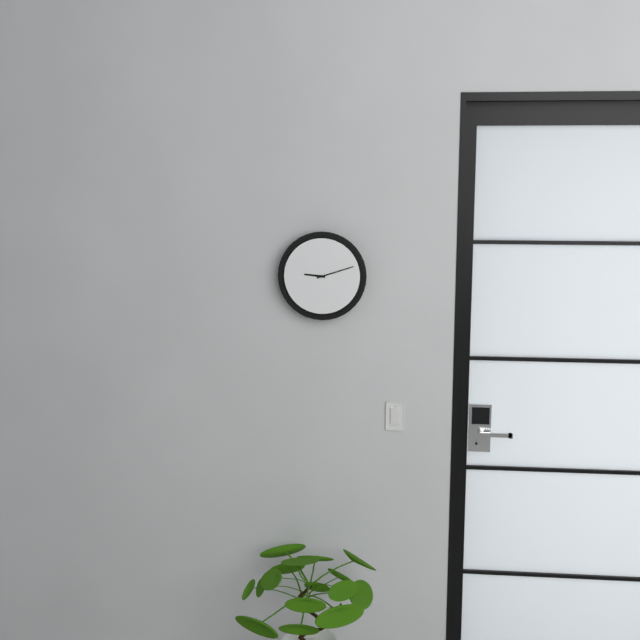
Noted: {"hour": 9, "minute": 12}
